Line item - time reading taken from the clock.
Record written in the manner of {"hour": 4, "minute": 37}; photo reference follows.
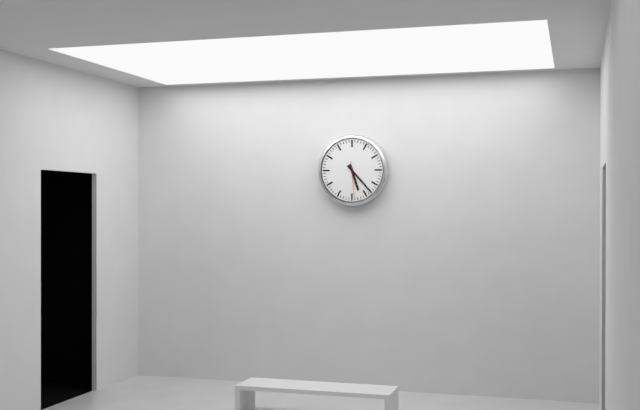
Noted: {"hour": 5, "minute": 23}
